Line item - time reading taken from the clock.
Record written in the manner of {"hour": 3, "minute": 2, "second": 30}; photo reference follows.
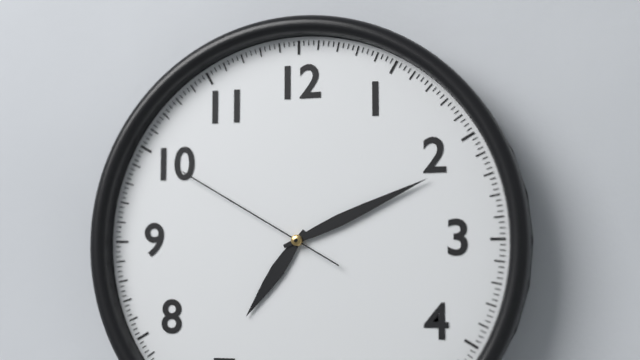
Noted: {"hour": 7, "minute": 11, "second": 50}
